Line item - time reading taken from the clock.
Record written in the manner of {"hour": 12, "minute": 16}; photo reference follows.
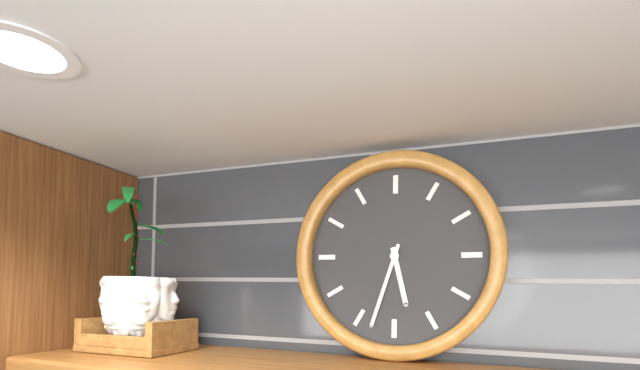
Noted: {"hour": 5, "minute": 33}
